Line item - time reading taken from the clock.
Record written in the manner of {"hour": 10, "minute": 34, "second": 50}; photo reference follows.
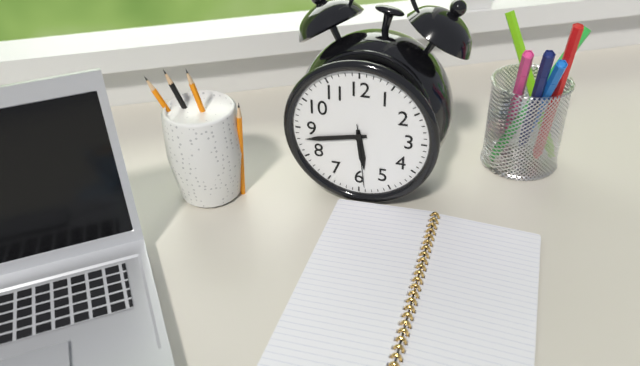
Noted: {"hour": 5, "minute": 43, "second": 29}
